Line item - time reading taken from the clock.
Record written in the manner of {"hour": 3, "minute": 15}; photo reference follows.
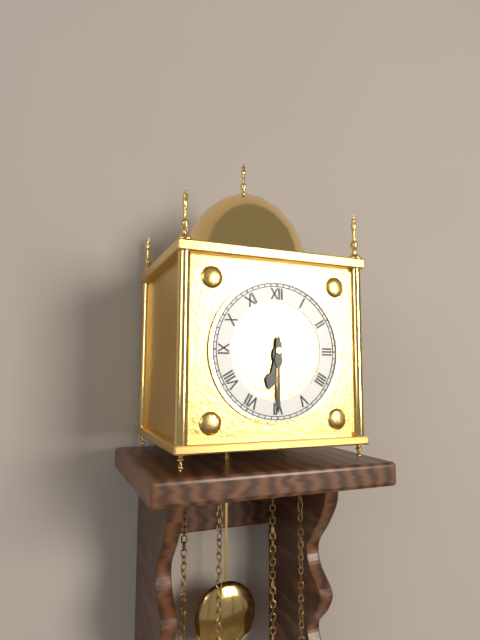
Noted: {"hour": 6, "minute": 30}
